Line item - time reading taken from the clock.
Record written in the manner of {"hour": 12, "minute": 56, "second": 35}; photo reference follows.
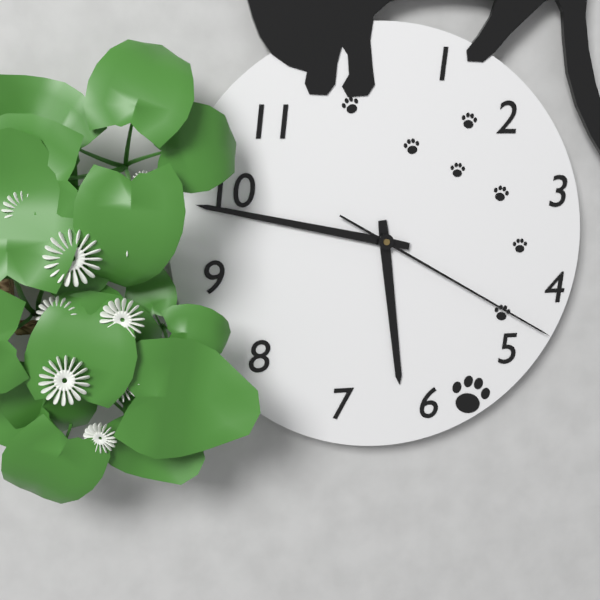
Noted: {"hour": 5, "minute": 47, "second": 20}
